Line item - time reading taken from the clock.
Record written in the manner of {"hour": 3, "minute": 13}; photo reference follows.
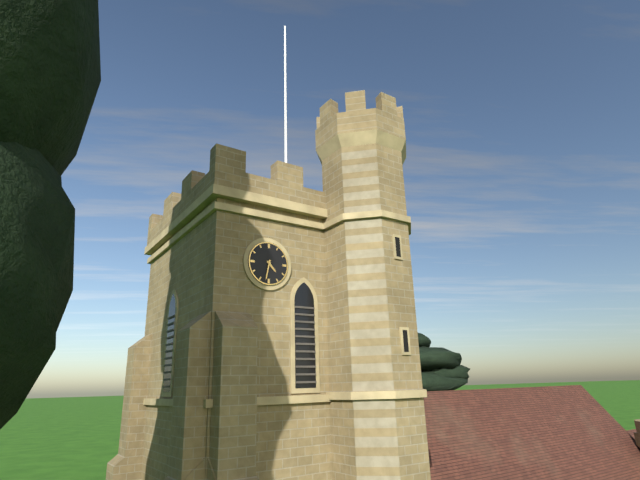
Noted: {"hour": 4, "minute": 32}
